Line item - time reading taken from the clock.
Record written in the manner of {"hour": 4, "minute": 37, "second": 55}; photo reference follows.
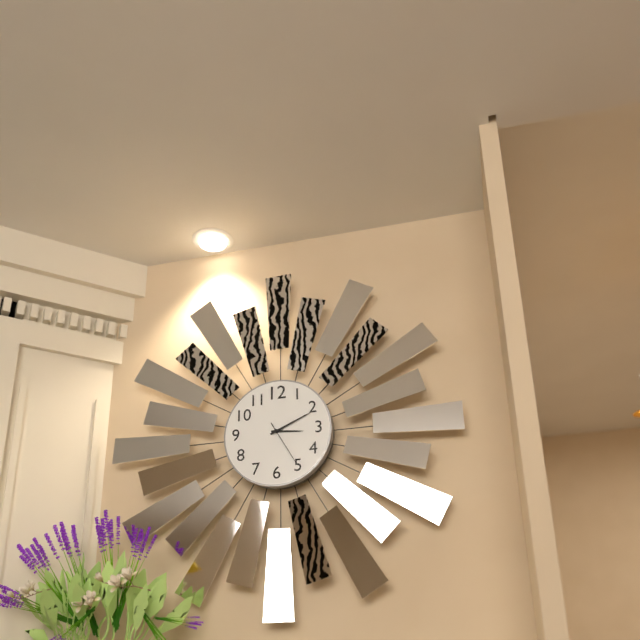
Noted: {"hour": 3, "minute": 11, "second": 25}
